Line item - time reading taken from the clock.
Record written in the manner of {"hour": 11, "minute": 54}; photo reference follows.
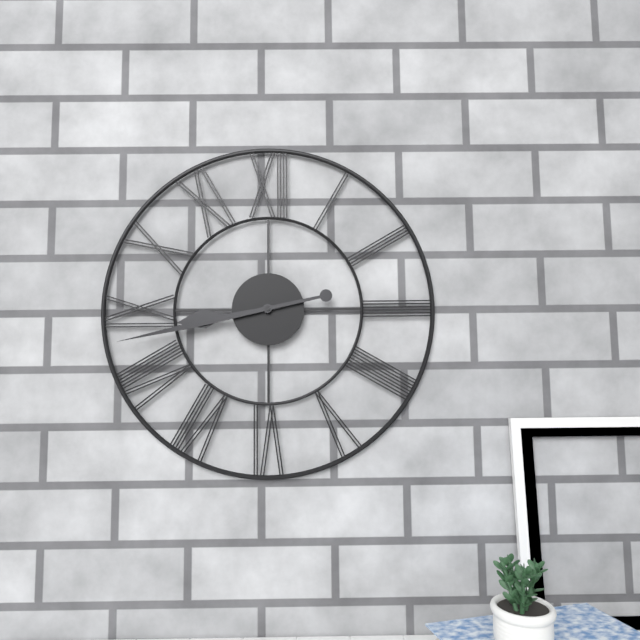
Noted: {"hour": 8, "minute": 43}
